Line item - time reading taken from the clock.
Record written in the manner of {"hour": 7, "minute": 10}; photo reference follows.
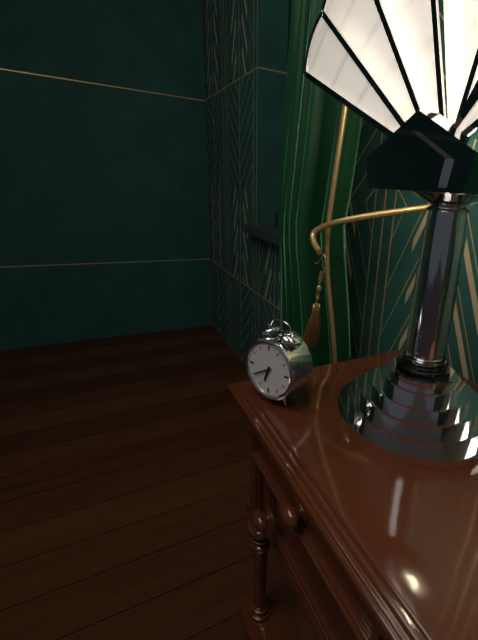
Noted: {"hour": 6, "minute": 40}
